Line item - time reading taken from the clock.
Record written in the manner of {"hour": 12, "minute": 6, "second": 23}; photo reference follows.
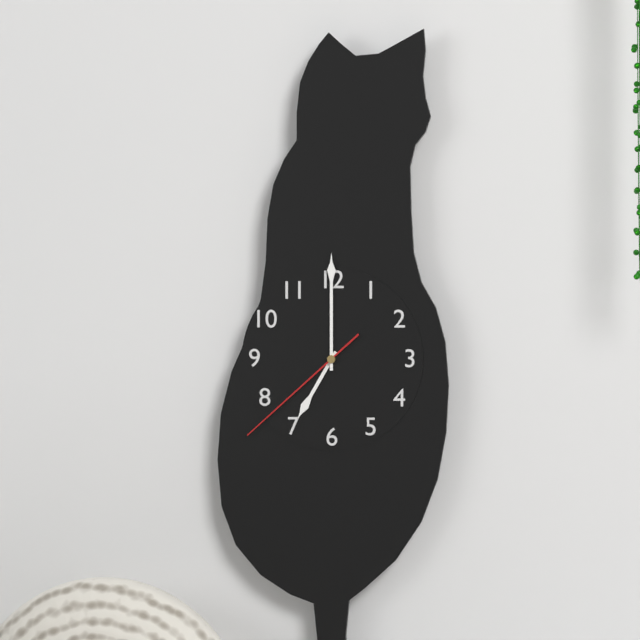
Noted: {"hour": 7, "minute": 0, "second": 38}
